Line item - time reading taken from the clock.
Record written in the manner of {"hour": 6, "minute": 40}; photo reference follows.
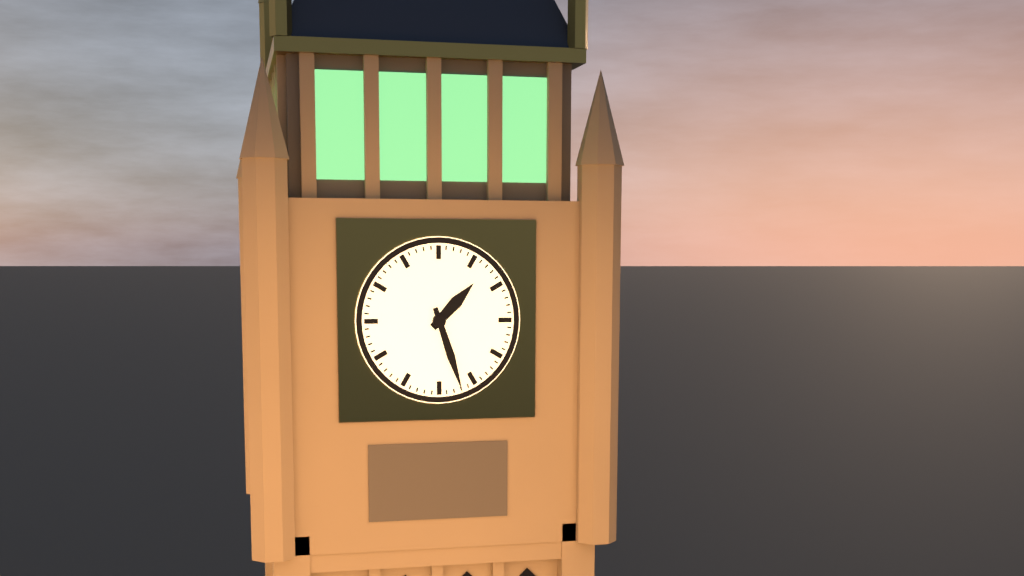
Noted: {"hour": 1, "minute": 27}
